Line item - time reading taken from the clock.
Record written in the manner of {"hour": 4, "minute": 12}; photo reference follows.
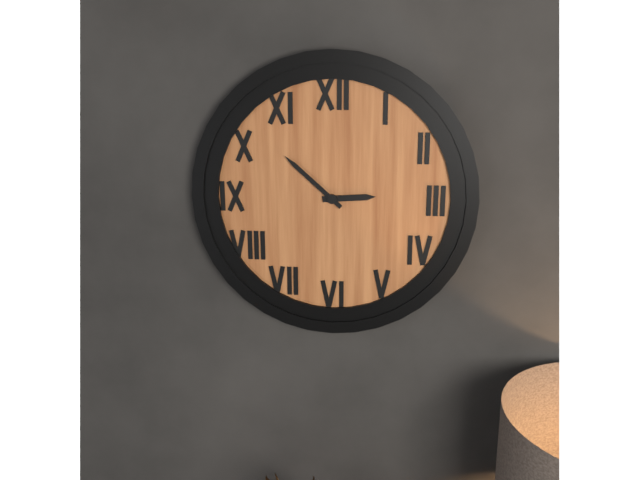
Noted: {"hour": 2, "minute": 52}
